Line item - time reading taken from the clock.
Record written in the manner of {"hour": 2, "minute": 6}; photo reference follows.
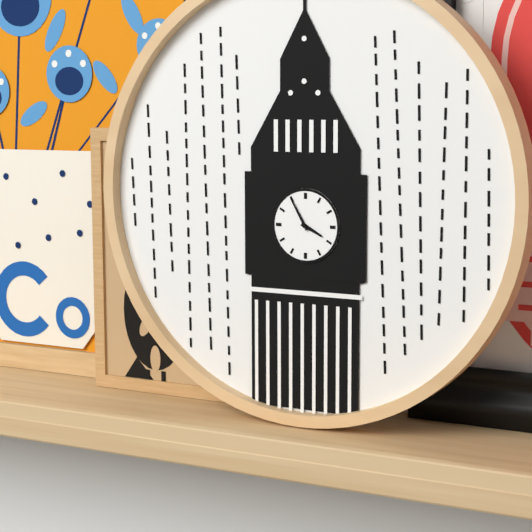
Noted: {"hour": 3, "minute": 55}
